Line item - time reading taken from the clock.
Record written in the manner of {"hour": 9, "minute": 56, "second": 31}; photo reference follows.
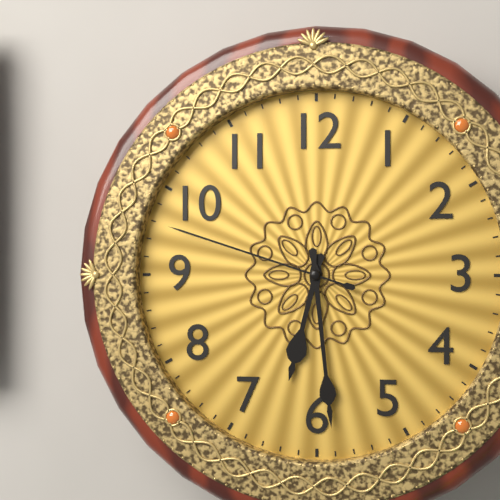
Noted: {"hour": 6, "minute": 29, "second": 48}
